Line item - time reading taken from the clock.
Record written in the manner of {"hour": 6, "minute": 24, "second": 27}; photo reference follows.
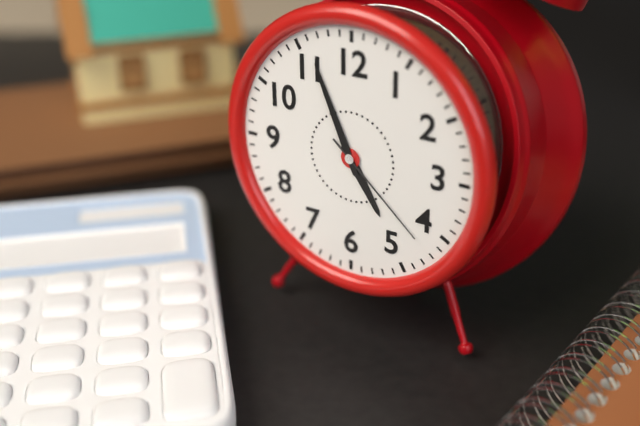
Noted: {"hour": 4, "minute": 56, "second": 22}
